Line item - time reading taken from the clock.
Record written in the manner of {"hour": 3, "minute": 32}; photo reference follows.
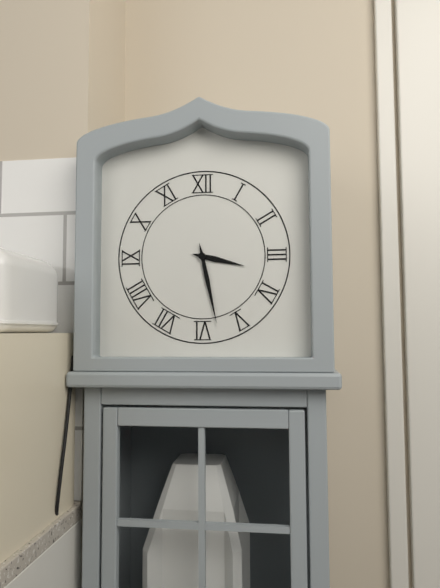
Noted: {"hour": 3, "minute": 28}
